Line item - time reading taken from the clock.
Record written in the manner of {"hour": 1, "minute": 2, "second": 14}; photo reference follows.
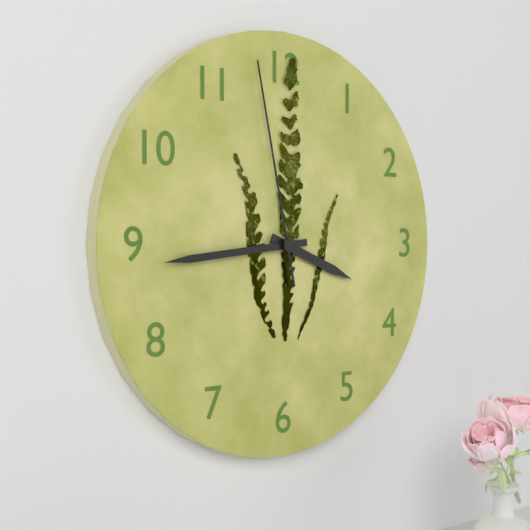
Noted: {"hour": 3, "minute": 44, "second": 58}
